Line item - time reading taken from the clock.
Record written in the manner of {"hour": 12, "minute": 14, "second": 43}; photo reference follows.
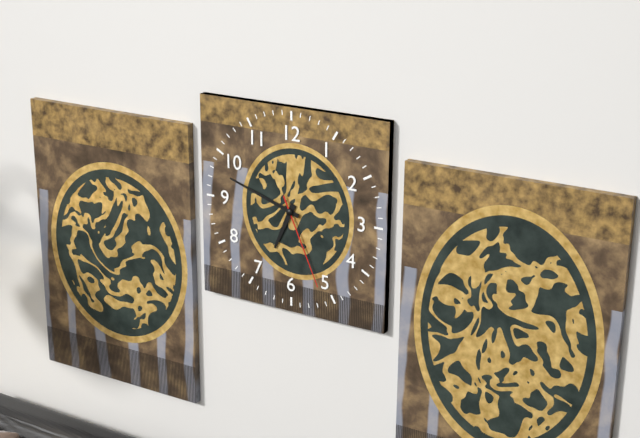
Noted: {"hour": 6, "minute": 48, "second": 26}
